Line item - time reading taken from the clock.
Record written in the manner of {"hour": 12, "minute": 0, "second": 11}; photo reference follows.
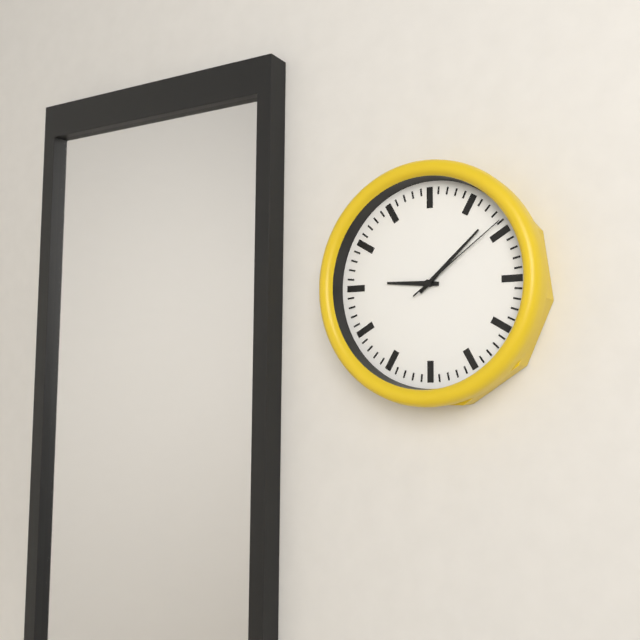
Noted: {"hour": 9, "minute": 8, "second": 9}
